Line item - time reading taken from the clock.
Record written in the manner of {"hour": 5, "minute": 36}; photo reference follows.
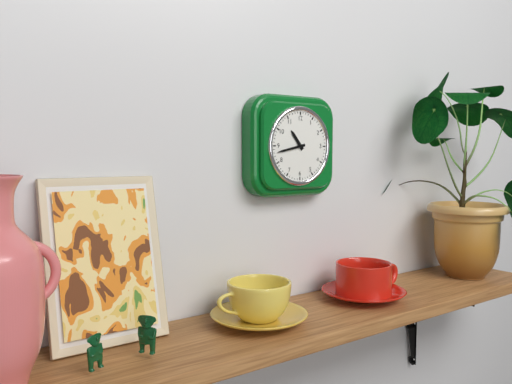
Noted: {"hour": 10, "minute": 43}
